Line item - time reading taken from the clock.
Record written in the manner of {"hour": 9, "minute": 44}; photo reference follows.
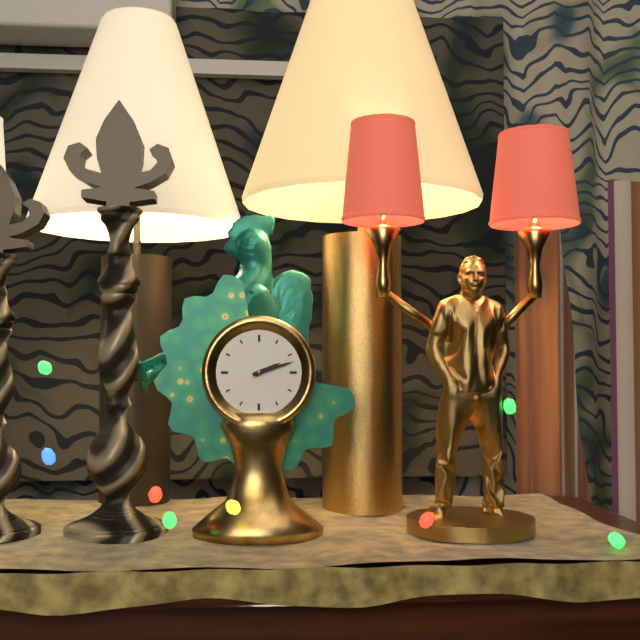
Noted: {"hour": 2, "minute": 12}
